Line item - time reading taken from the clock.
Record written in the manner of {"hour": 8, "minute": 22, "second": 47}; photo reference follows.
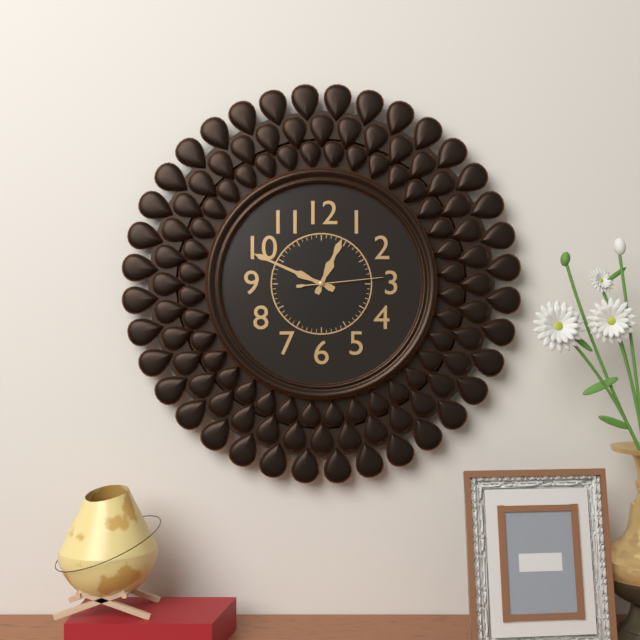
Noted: {"hour": 12, "minute": 49, "second": 14}
